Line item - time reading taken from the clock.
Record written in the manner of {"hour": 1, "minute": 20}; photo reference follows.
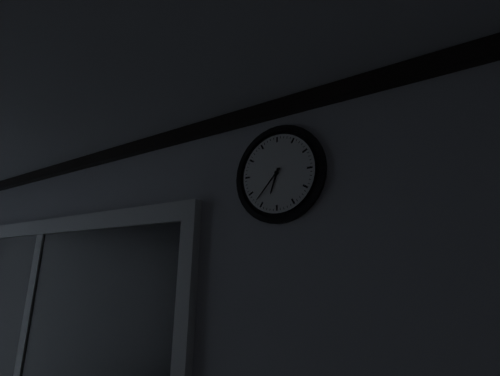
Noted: {"hour": 6, "minute": 37}
